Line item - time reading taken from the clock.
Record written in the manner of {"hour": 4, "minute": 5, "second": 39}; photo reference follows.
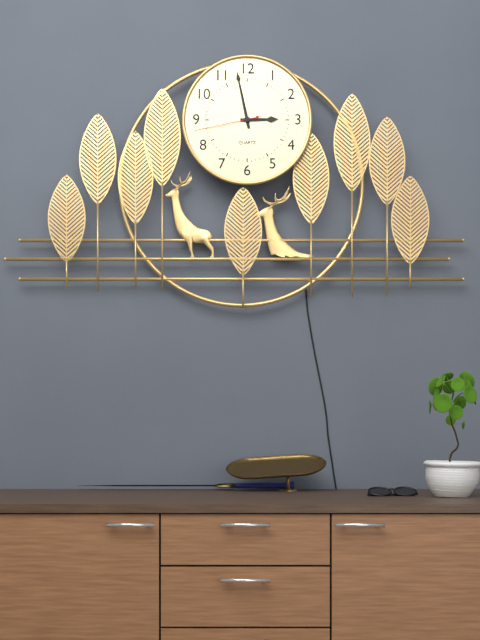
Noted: {"hour": 2, "minute": 58, "second": 43}
